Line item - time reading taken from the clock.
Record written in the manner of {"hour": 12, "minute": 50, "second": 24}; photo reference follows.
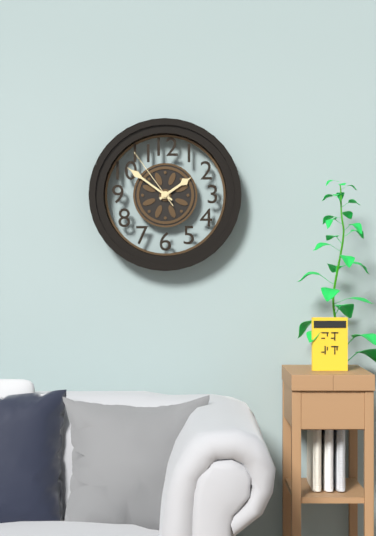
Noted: {"hour": 1, "minute": 51, "second": 54}
